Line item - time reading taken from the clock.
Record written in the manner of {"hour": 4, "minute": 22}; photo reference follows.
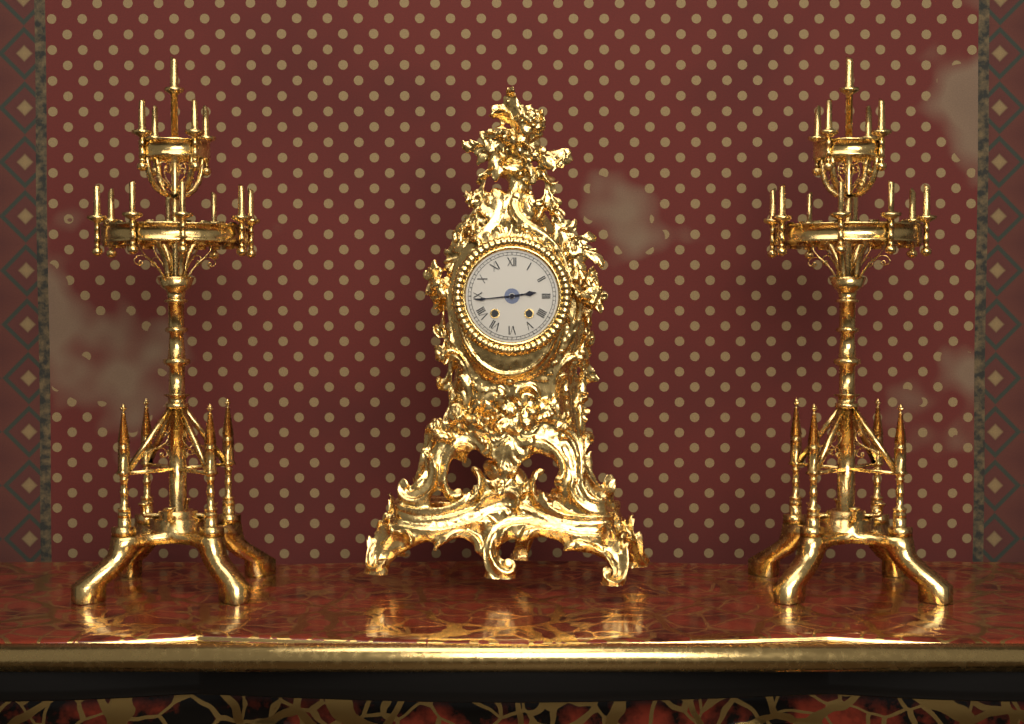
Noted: {"hour": 2, "minute": 44}
